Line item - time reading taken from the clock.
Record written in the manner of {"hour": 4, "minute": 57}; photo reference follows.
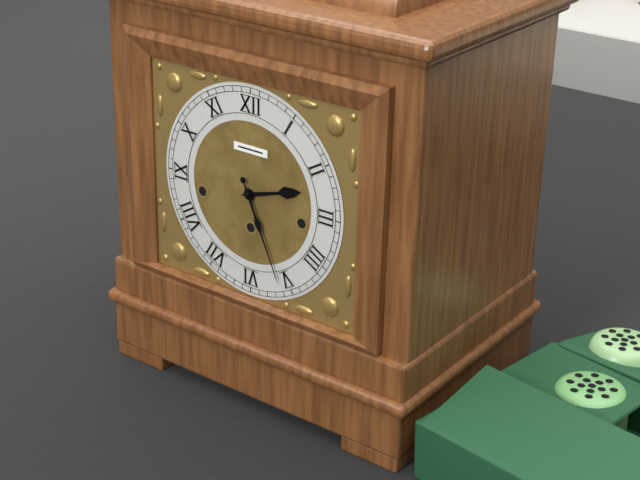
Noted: {"hour": 2, "minute": 26}
